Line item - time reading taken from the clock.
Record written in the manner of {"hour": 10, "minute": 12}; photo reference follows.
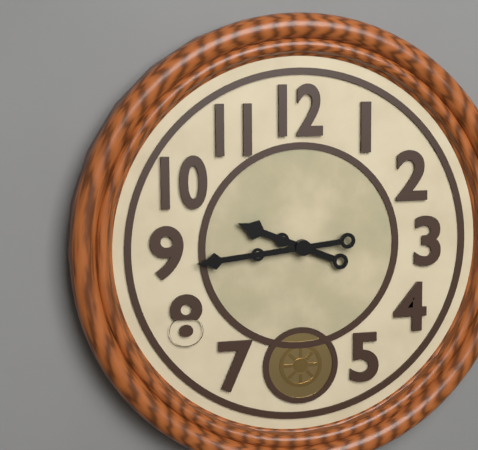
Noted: {"hour": 9, "minute": 44}
